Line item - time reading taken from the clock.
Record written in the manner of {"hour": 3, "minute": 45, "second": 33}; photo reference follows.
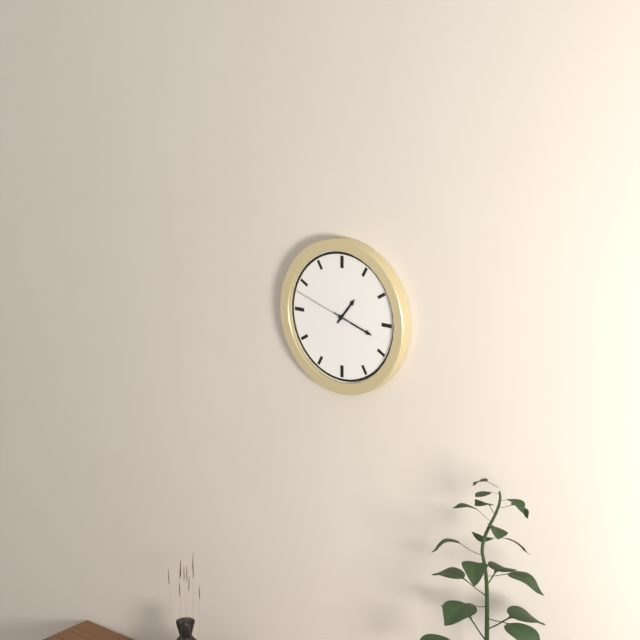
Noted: {"hour": 1, "minute": 18, "second": 48}
